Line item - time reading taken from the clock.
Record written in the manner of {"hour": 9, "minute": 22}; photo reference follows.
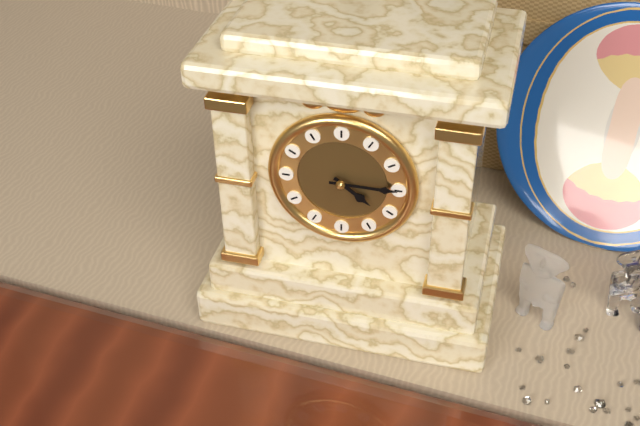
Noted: {"hour": 4, "minute": 15}
